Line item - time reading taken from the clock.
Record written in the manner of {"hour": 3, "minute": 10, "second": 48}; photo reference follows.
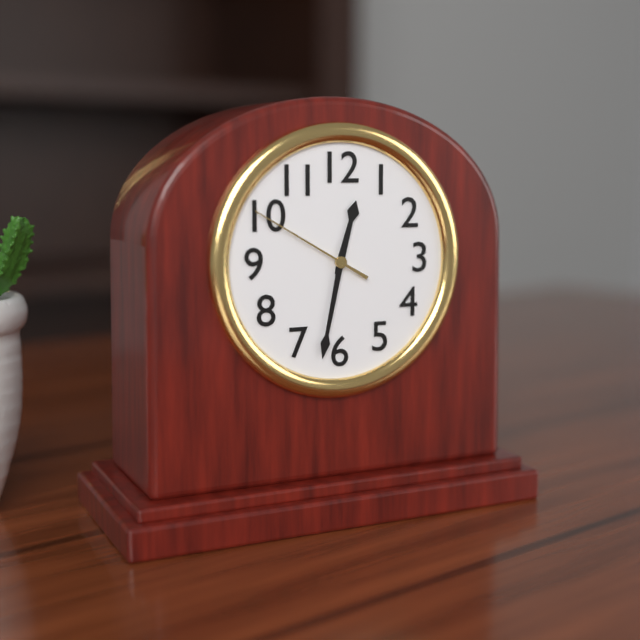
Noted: {"hour": 12, "minute": 32, "second": 50}
